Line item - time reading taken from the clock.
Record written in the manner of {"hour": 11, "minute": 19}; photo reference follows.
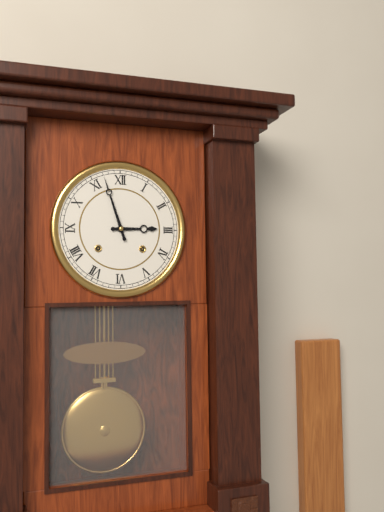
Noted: {"hour": 2, "minute": 57}
